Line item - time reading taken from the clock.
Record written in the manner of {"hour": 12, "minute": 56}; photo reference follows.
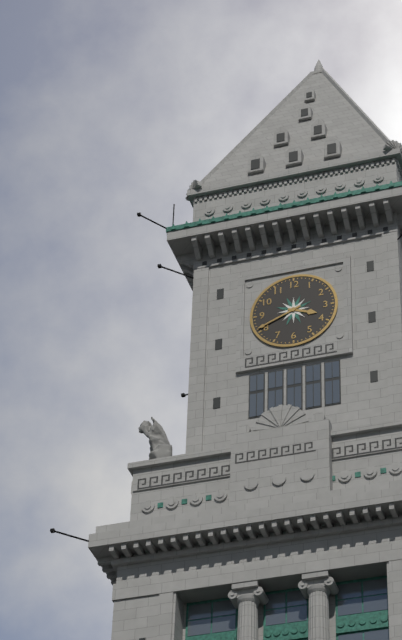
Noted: {"hour": 3, "minute": 41}
